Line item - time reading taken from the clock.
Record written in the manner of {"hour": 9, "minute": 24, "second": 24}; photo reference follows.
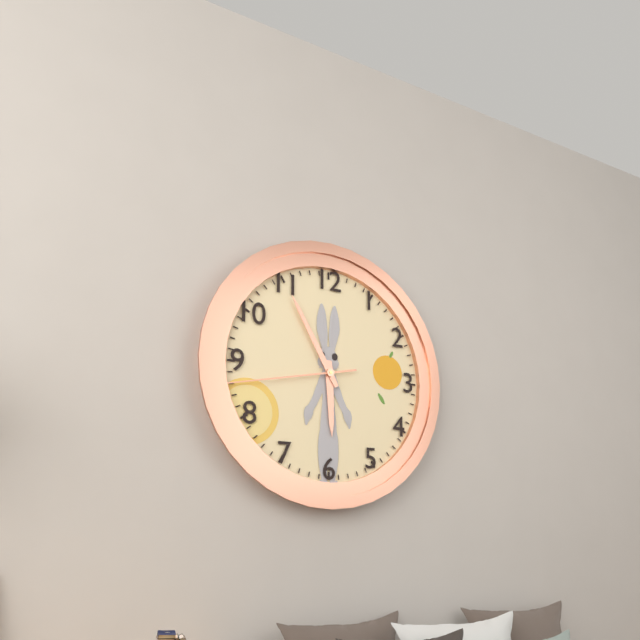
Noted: {"hour": 5, "minute": 55, "second": 43}
